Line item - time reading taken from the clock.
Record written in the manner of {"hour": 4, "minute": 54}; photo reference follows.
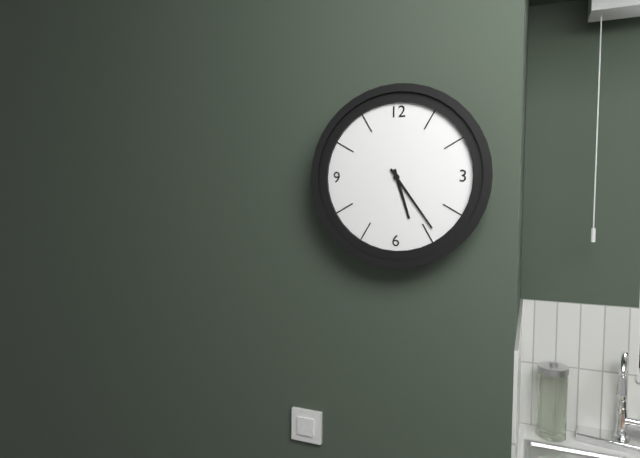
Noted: {"hour": 5, "minute": 24}
